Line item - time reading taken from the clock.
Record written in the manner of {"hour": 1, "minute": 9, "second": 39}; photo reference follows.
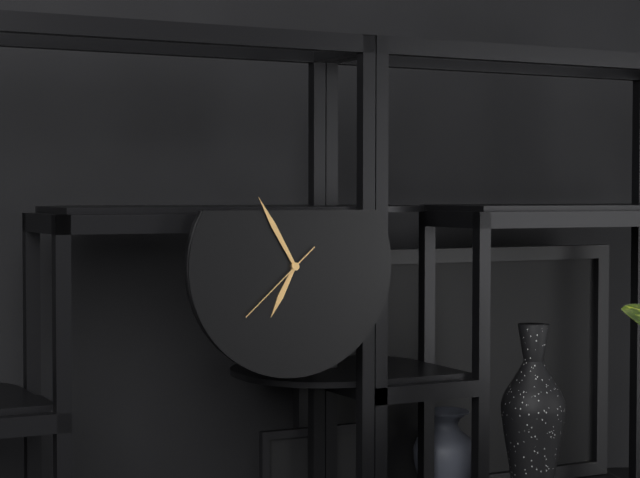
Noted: {"hour": 6, "minute": 55, "second": 38}
